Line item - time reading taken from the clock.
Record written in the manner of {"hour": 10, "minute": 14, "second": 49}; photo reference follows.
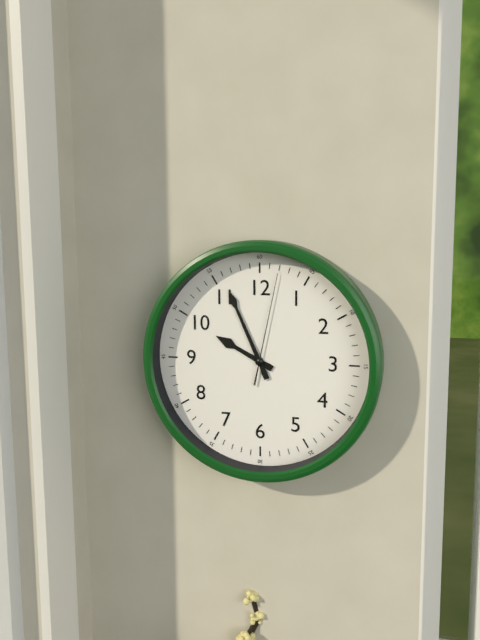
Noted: {"hour": 9, "minute": 56, "second": 2}
